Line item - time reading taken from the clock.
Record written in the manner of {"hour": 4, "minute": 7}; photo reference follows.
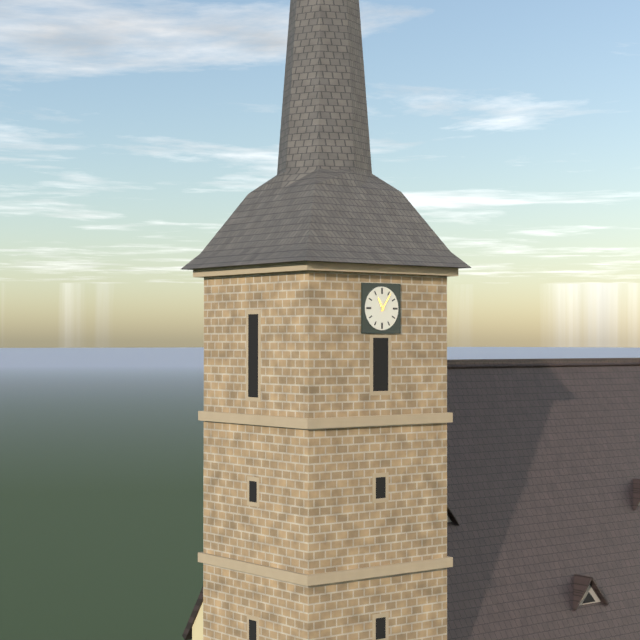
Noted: {"hour": 11, "minute": 6}
